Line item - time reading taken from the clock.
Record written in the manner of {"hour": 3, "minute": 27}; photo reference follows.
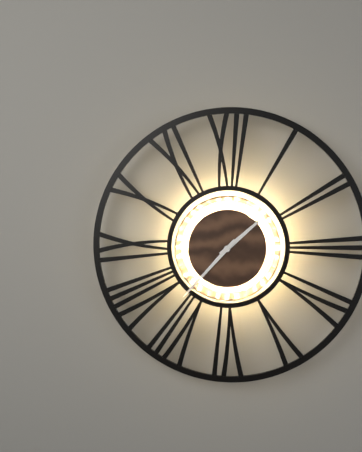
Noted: {"hour": 1, "minute": 37}
